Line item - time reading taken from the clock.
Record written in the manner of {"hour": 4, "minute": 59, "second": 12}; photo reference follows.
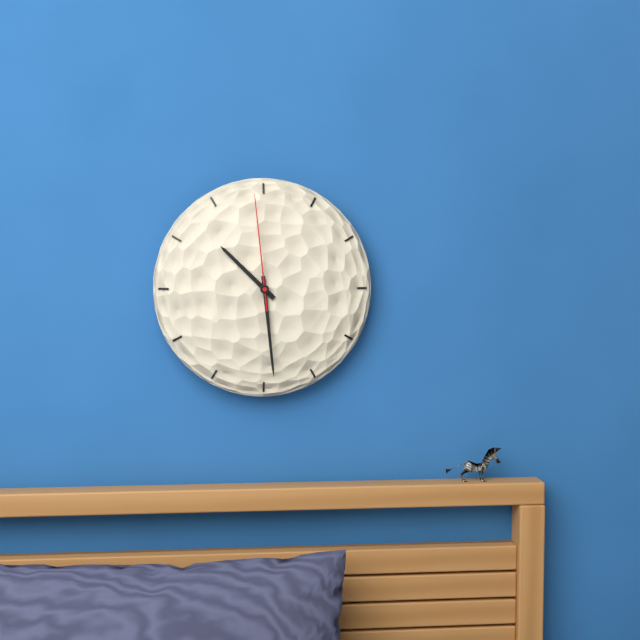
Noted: {"hour": 10, "minute": 29, "second": 59}
